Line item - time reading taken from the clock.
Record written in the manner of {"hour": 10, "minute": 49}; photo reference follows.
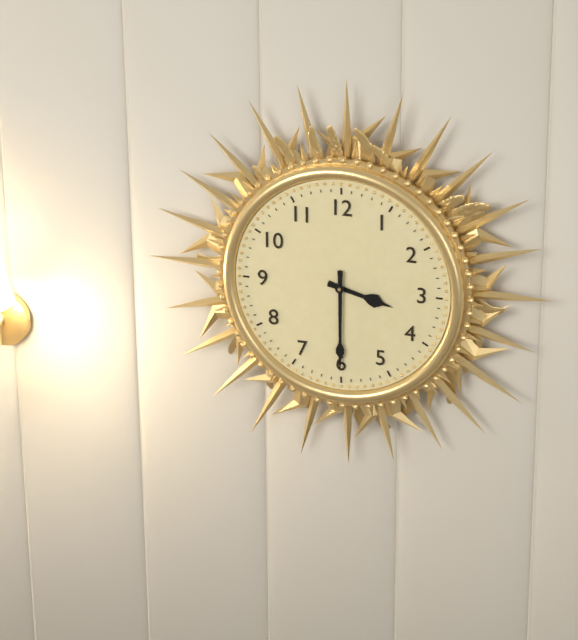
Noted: {"hour": 3, "minute": 30}
